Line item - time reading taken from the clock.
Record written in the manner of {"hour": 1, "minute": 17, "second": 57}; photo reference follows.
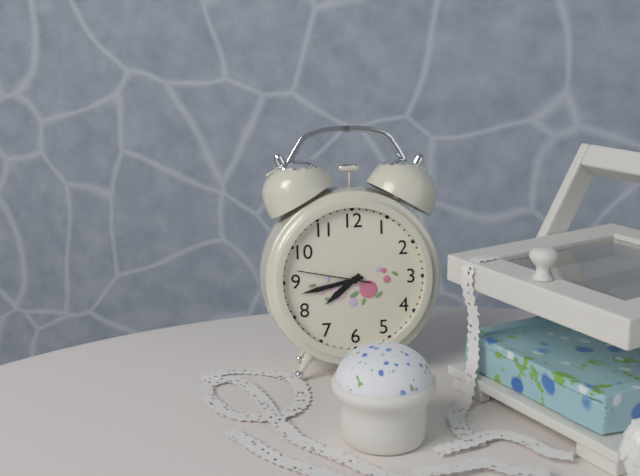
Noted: {"hour": 7, "minute": 43, "second": 47}
